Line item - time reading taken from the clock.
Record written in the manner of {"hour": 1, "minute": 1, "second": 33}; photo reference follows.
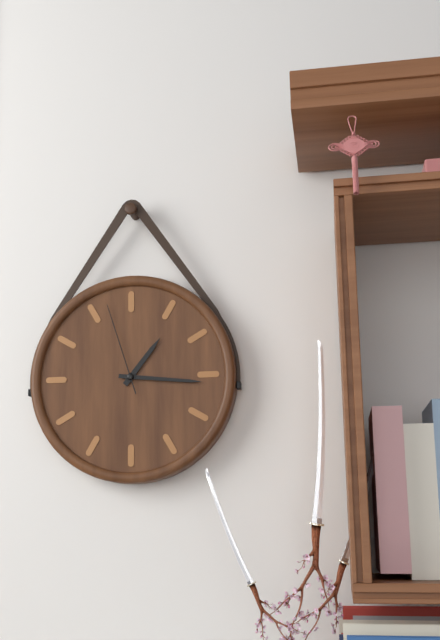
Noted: {"hour": 1, "minute": 16, "second": 57}
